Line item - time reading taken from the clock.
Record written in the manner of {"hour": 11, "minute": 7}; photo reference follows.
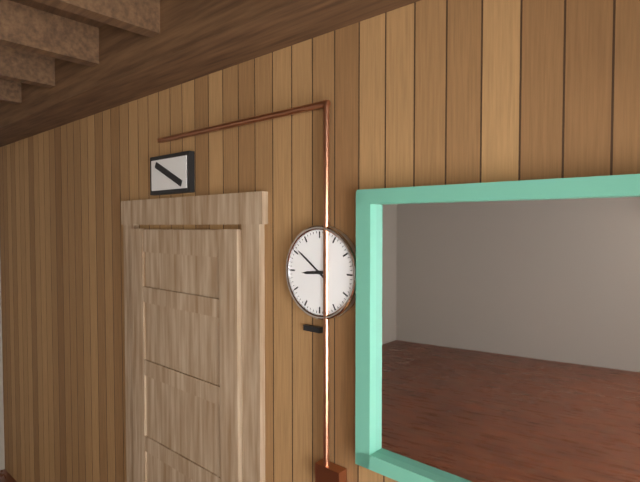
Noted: {"hour": 8, "minute": 51}
